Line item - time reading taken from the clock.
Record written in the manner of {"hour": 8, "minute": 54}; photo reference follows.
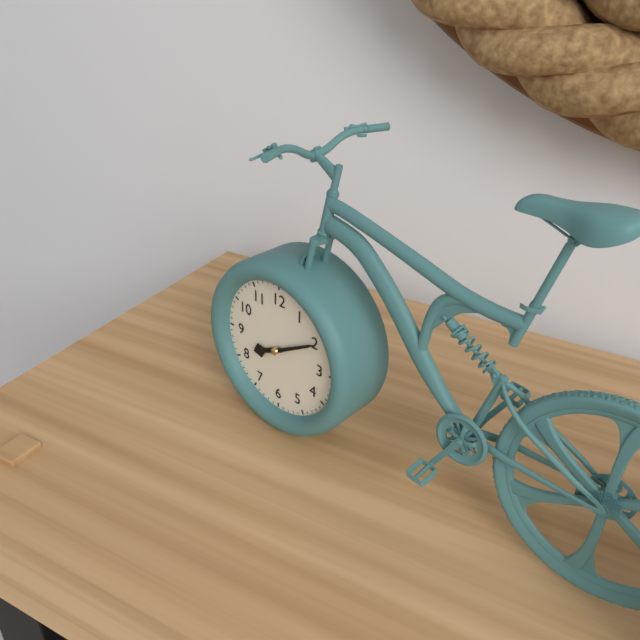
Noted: {"hour": 8, "minute": 10}
